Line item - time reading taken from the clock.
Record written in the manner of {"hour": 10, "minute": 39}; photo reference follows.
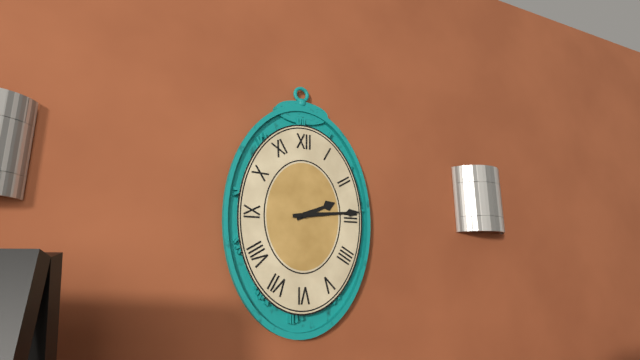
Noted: {"hour": 2, "minute": 14}
